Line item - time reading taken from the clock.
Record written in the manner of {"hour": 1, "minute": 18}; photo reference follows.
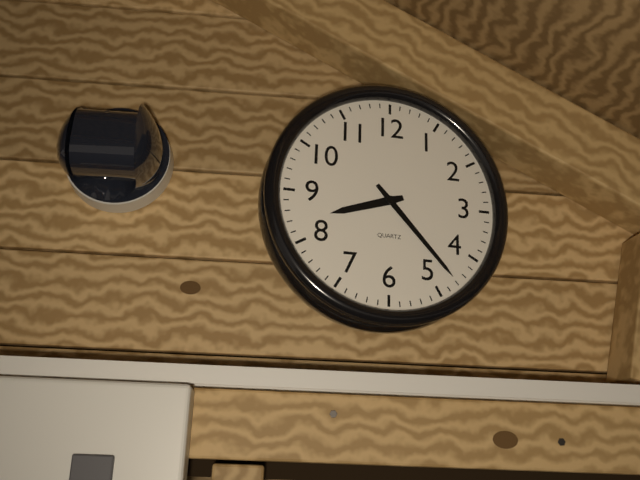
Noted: {"hour": 8, "minute": 23}
